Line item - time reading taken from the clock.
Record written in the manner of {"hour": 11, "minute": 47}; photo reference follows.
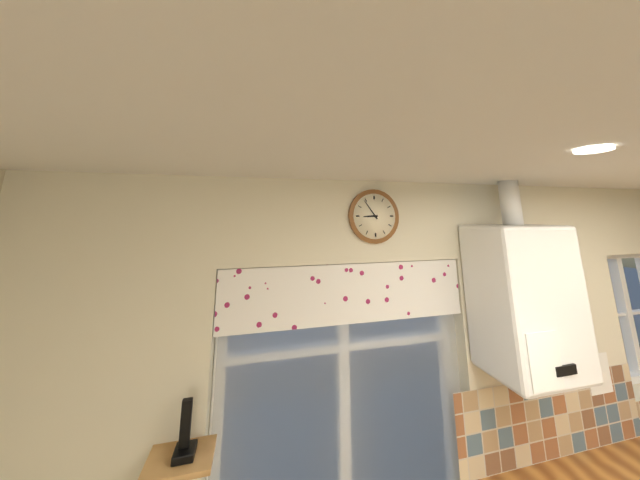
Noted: {"hour": 8, "minute": 54}
